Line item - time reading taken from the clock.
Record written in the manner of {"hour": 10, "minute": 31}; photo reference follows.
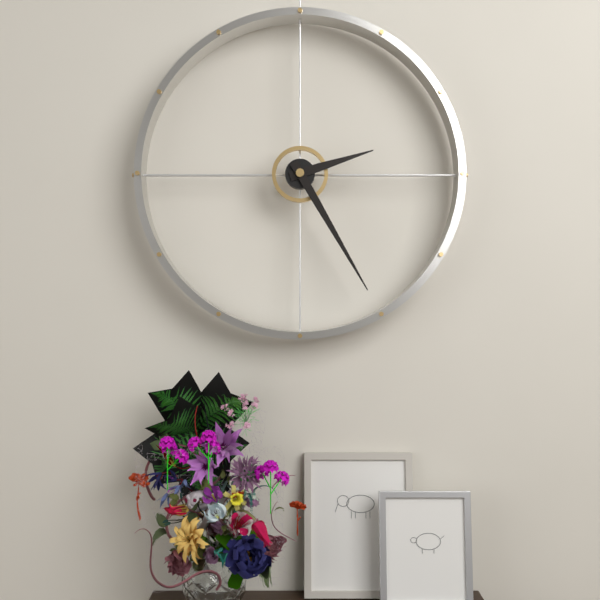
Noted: {"hour": 2, "minute": 25}
